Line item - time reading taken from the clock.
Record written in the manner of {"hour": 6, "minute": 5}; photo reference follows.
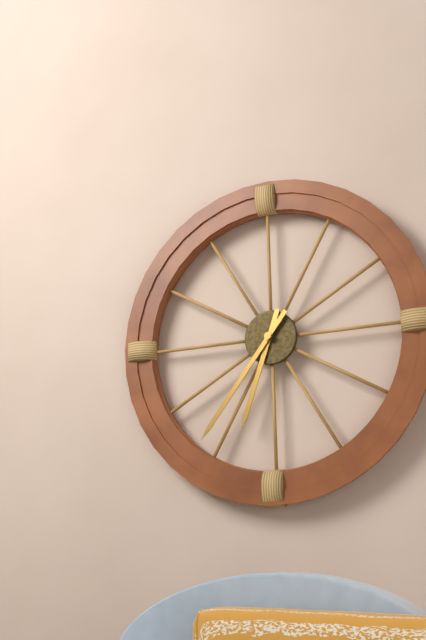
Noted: {"hour": 6, "minute": 36}
